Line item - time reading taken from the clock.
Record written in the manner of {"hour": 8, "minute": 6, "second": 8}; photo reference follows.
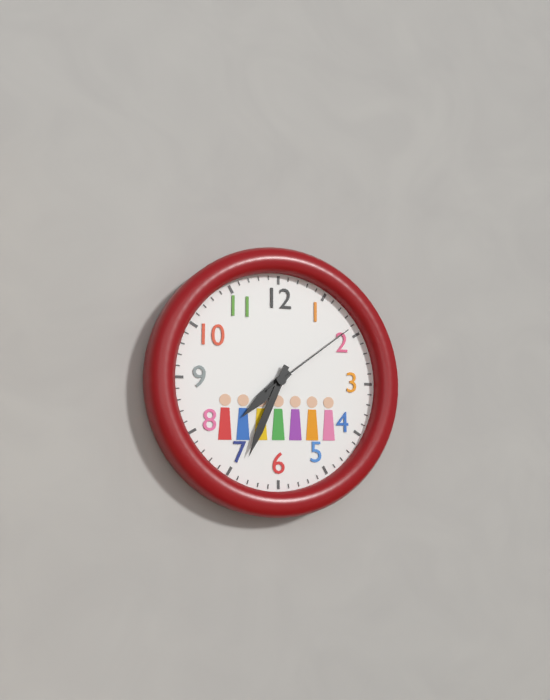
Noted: {"hour": 7, "minute": 34, "second": 9}
